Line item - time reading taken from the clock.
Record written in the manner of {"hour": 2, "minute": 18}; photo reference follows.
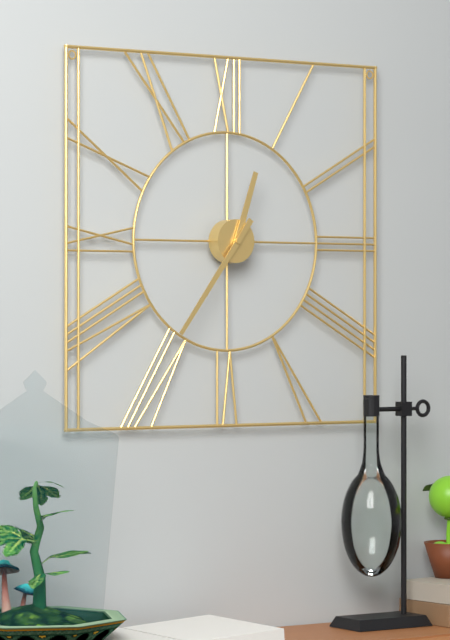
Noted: {"hour": 12, "minute": 36}
